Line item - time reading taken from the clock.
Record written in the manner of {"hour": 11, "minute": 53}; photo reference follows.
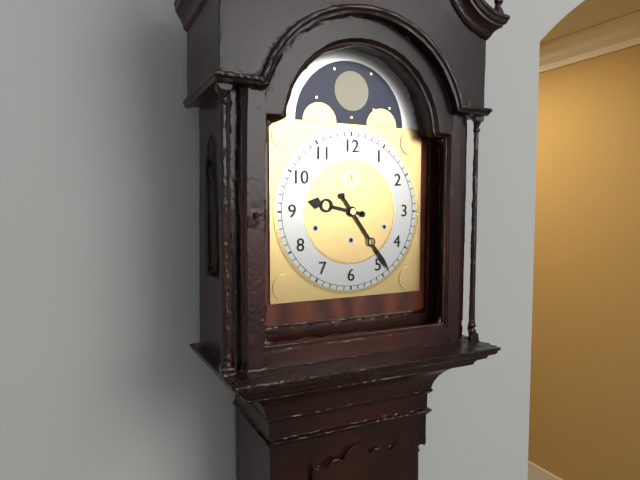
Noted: {"hour": 9, "minute": 24}
